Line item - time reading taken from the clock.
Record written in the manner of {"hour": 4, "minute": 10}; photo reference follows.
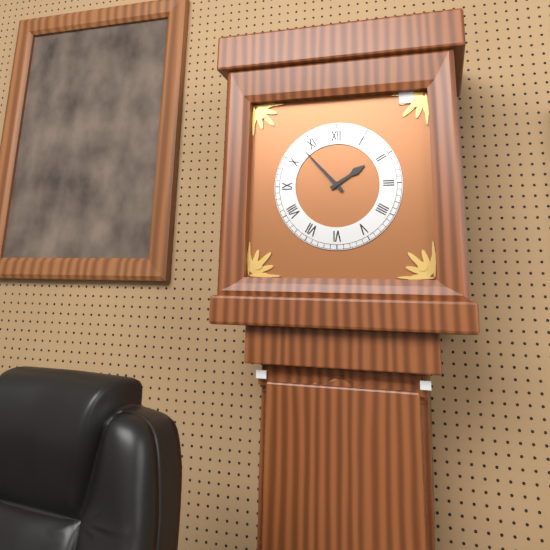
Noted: {"hour": 1, "minute": 53}
